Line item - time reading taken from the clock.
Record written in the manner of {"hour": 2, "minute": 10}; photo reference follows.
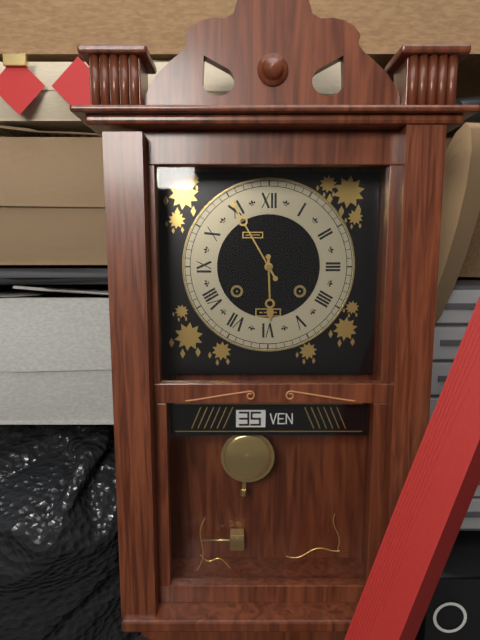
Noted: {"hour": 5, "minute": 55}
